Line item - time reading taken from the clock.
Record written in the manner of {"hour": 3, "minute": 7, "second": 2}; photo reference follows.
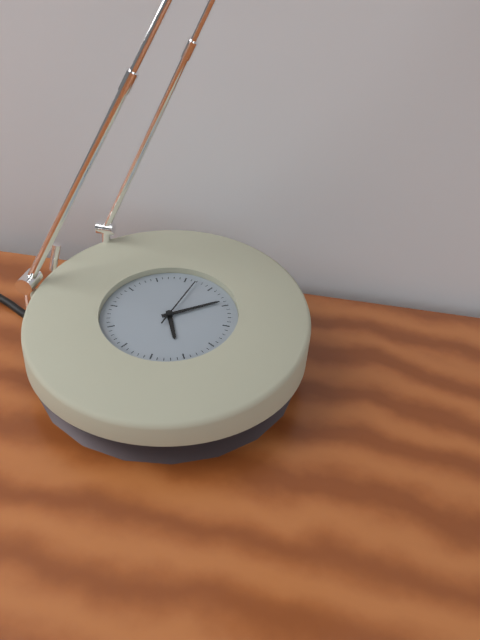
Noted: {"hour": 5, "minute": 9, "second": 2}
